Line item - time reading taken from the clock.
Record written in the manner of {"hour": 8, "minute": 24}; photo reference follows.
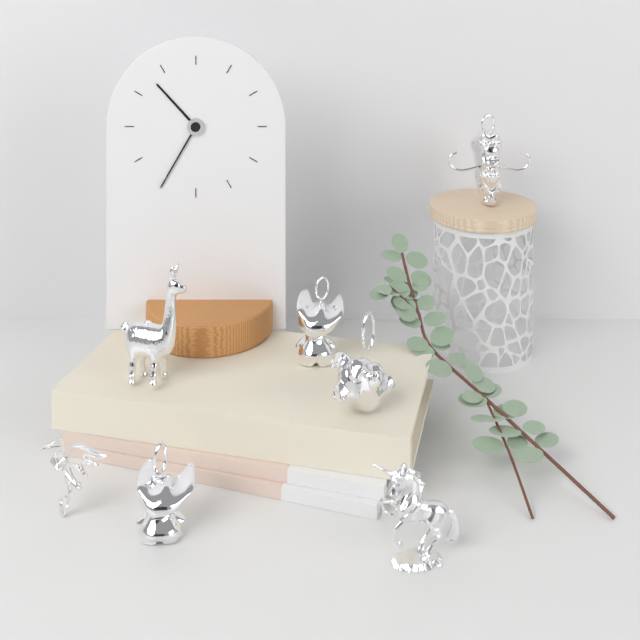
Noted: {"hour": 10, "minute": 35}
